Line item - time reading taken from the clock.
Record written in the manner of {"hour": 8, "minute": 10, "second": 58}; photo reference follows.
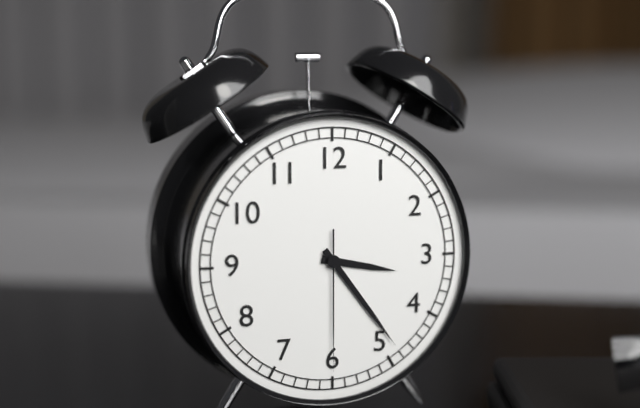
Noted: {"hour": 3, "minute": 24, "second": 30}
